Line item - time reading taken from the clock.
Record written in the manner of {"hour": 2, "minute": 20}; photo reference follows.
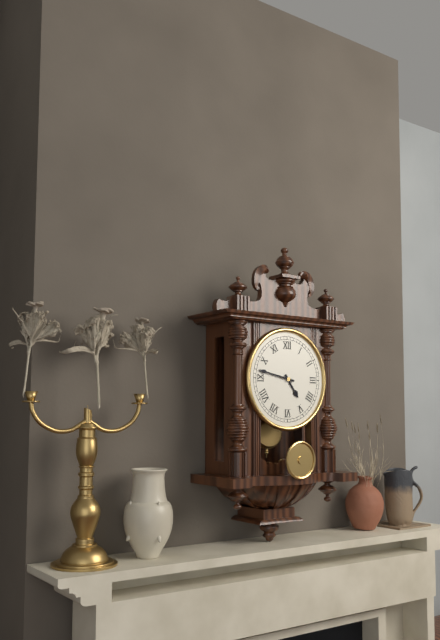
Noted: {"hour": 4, "minute": 47}
